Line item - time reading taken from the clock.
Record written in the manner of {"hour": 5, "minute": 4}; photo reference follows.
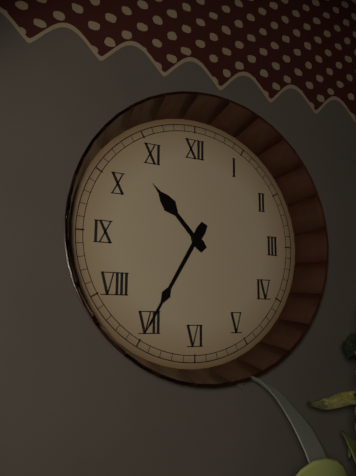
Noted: {"hour": 10, "minute": 35}
